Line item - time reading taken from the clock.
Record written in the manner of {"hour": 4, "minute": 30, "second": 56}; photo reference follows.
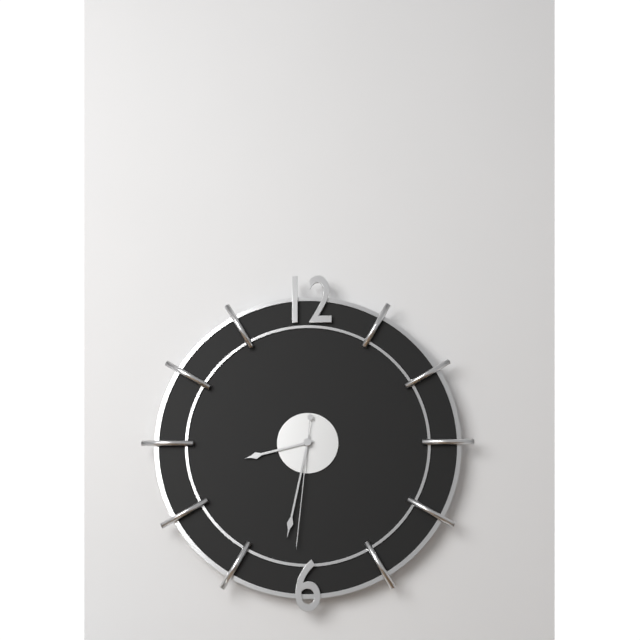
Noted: {"hour": 8, "minute": 32, "second": 31}
